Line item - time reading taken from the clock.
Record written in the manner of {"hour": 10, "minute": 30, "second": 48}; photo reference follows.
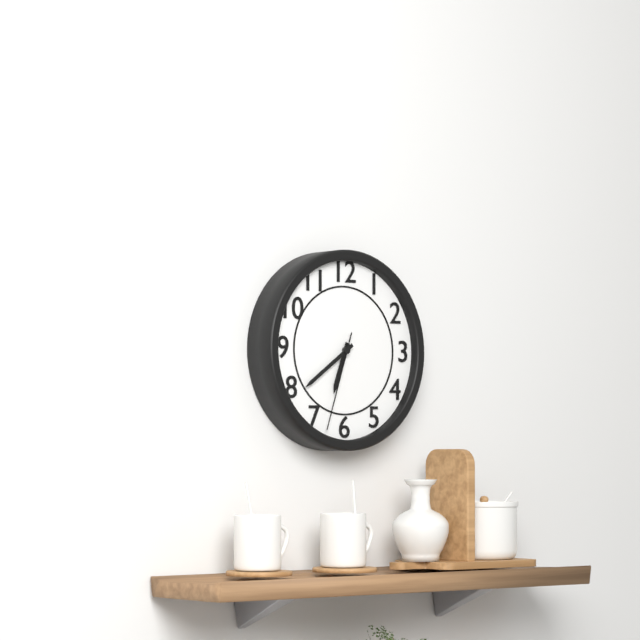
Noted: {"hour": 6, "minute": 39, "second": 33}
